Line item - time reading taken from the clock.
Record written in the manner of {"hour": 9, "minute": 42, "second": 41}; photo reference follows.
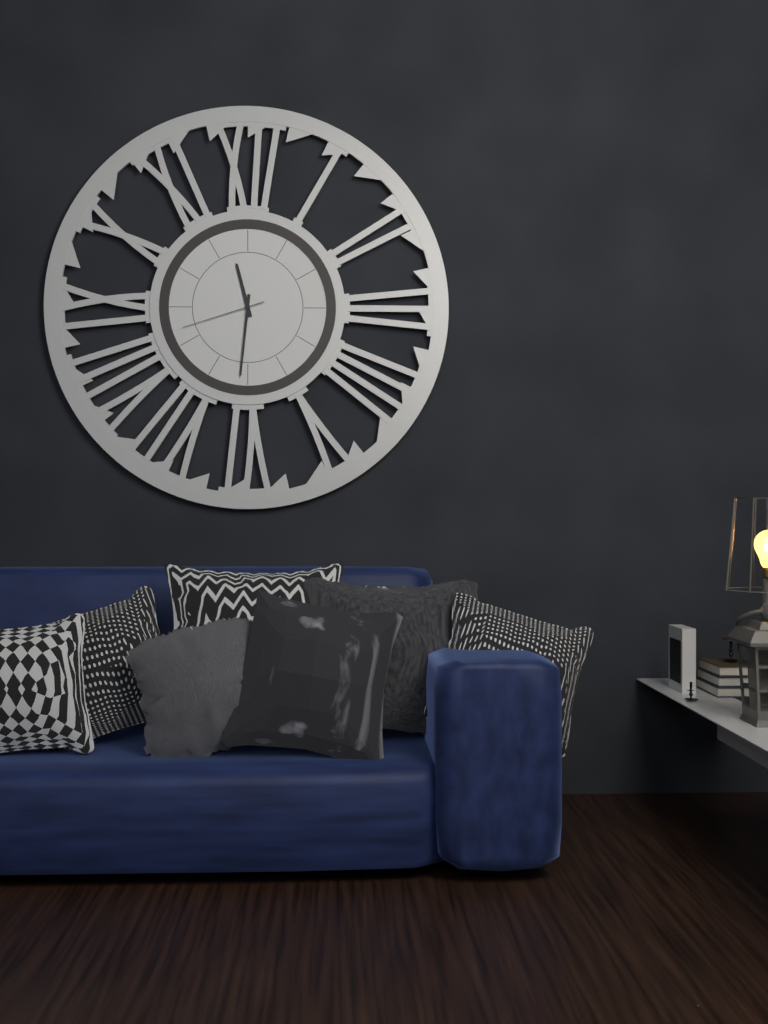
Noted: {"hour": 11, "minute": 31, "second": 42}
